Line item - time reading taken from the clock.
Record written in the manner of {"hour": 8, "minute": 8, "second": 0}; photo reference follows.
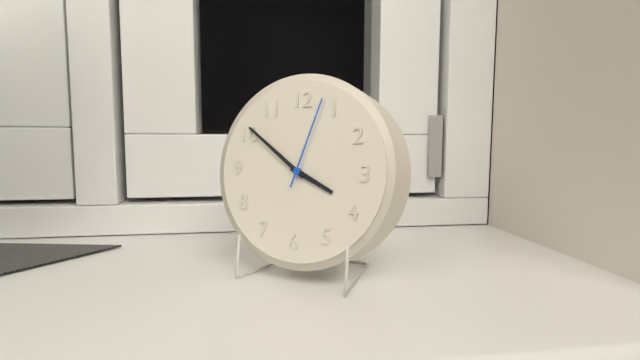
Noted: {"hour": 3, "minute": 51, "second": 3}
